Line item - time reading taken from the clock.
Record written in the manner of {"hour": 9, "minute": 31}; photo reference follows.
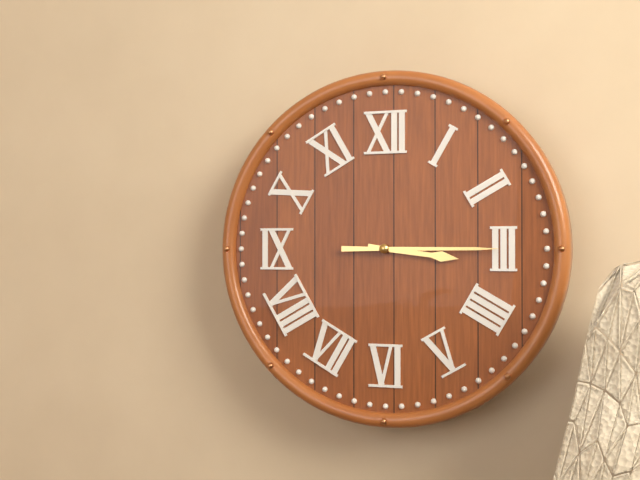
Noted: {"hour": 3, "minute": 15}
